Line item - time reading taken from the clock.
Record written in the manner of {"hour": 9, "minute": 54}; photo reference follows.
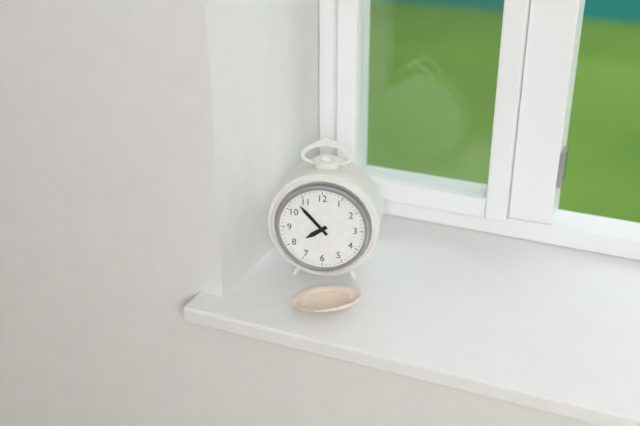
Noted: {"hour": 7, "minute": 53}
